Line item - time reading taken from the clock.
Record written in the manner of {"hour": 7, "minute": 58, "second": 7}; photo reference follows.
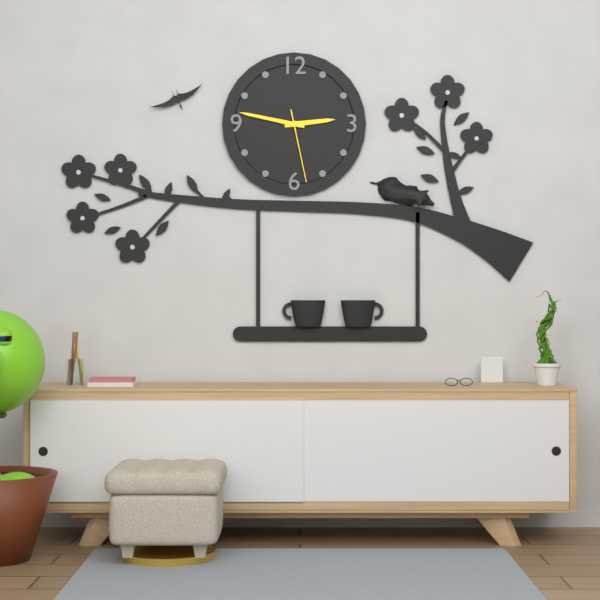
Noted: {"hour": 2, "minute": 47, "second": 28}
